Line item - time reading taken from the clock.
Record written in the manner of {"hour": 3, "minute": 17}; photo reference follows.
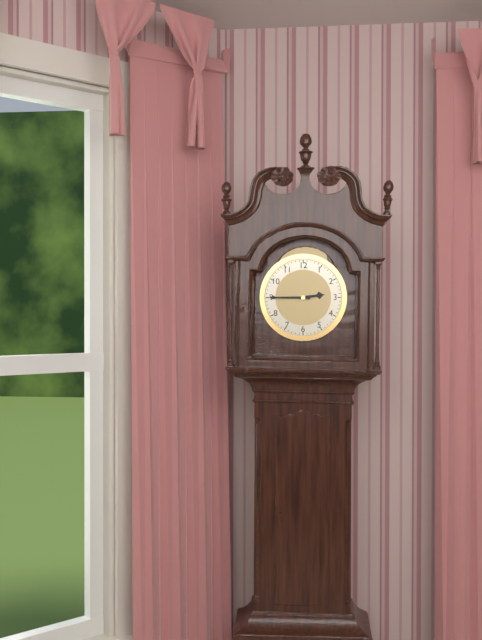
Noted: {"hour": 2, "minute": 45}
